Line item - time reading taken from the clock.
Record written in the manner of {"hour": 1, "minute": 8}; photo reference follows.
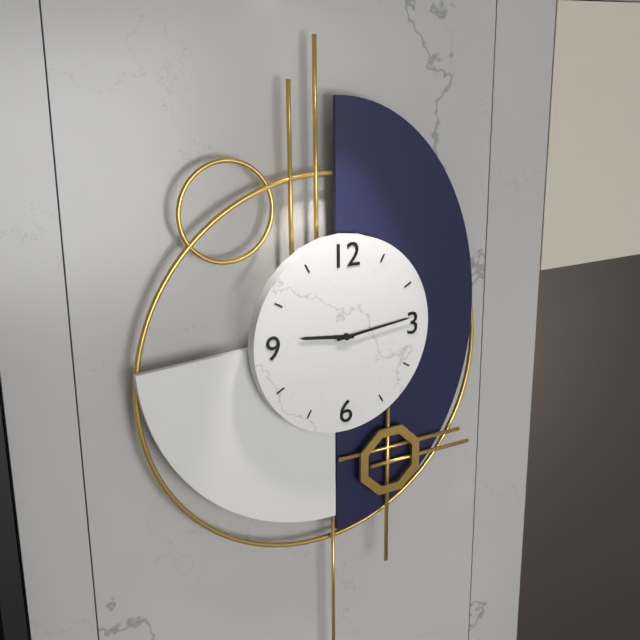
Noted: {"hour": 9, "minute": 14}
